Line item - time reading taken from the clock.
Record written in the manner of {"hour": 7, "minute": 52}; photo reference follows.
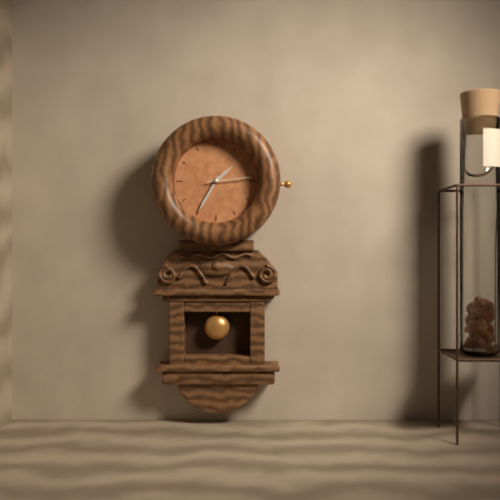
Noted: {"hour": 1, "minute": 35}
